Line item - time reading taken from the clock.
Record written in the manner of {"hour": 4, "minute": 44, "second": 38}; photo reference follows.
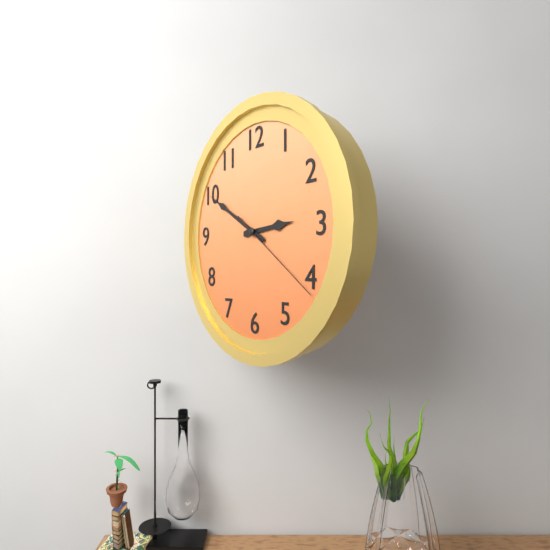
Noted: {"hour": 2, "minute": 50, "second": 21}
